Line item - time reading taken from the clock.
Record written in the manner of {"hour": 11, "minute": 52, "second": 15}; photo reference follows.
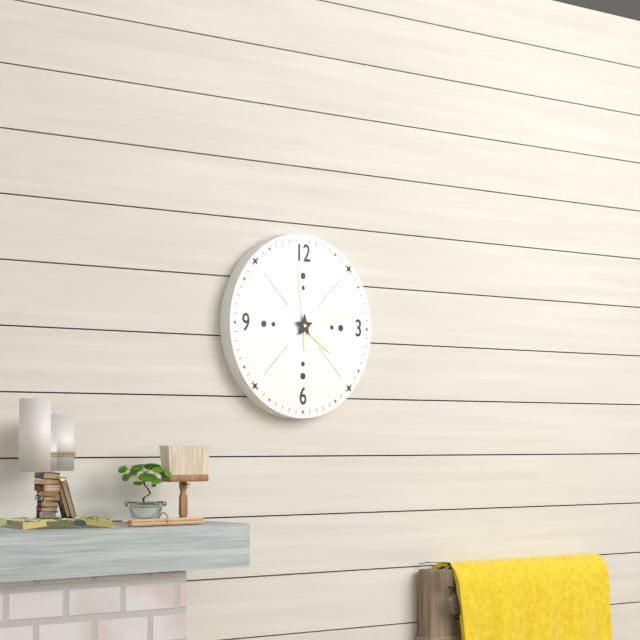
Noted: {"hour": 4, "minute": 13, "second": 59}
